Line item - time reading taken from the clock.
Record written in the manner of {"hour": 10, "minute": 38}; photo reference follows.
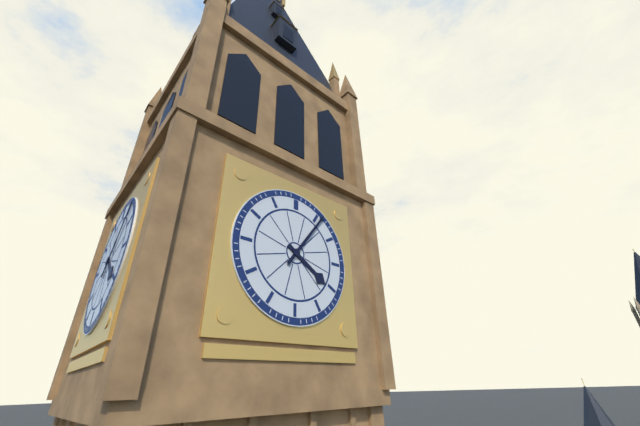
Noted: {"hour": 4, "minute": 6}
